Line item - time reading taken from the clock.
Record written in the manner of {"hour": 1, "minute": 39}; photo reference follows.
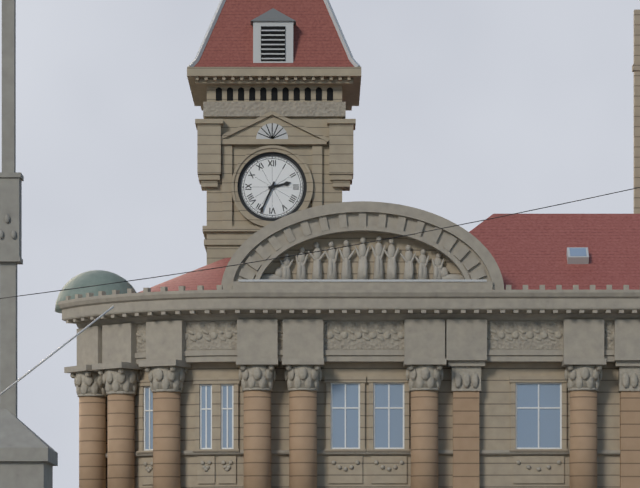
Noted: {"hour": 2, "minute": 34}
